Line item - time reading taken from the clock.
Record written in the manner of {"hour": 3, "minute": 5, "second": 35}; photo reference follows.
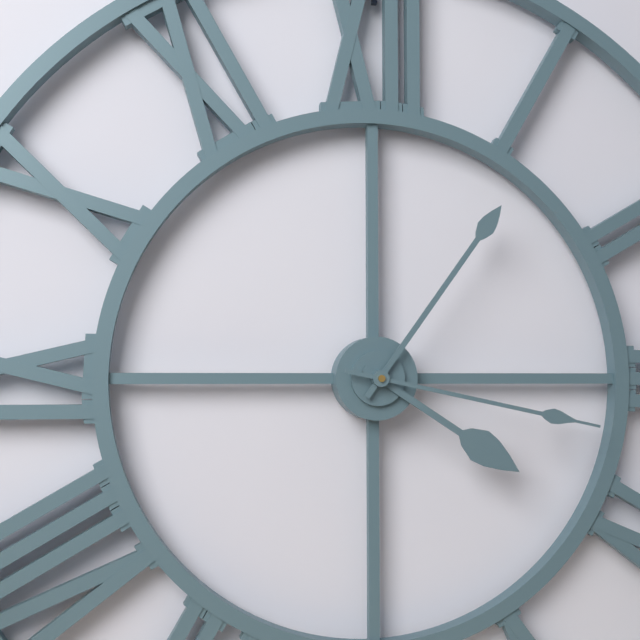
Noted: {"hour": 4, "minute": 6, "second": 17}
